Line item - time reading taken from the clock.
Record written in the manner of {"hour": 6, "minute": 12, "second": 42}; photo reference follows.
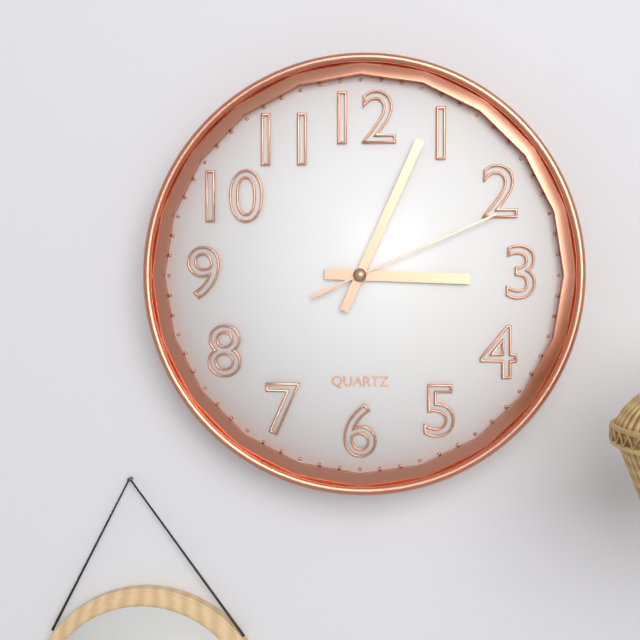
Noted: {"hour": 3, "minute": 4, "second": 11}
